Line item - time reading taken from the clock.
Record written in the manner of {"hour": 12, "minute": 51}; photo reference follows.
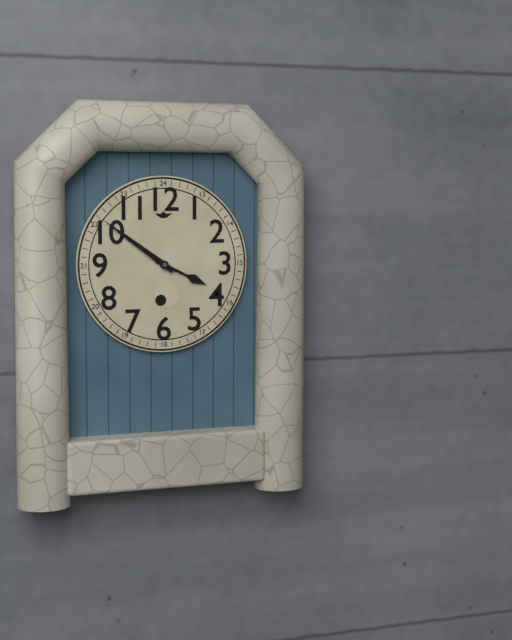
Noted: {"hour": 3, "minute": 51}
